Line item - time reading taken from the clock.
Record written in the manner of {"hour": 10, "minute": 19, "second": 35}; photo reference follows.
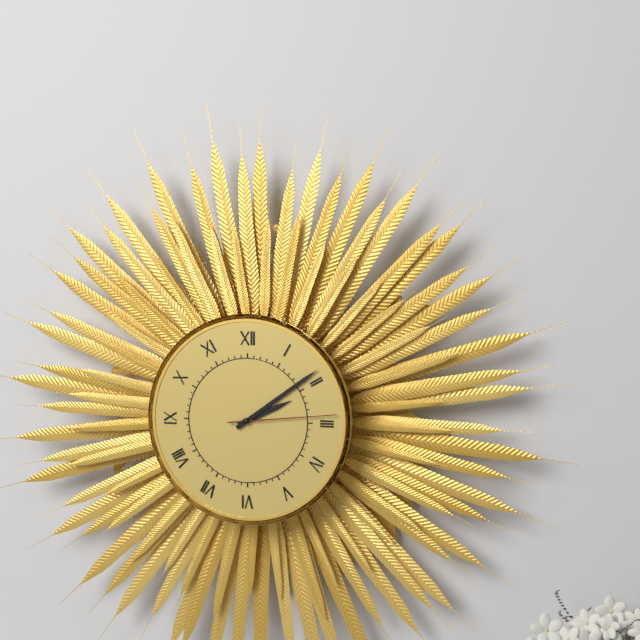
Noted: {"hour": 2, "minute": 9, "second": 14}
